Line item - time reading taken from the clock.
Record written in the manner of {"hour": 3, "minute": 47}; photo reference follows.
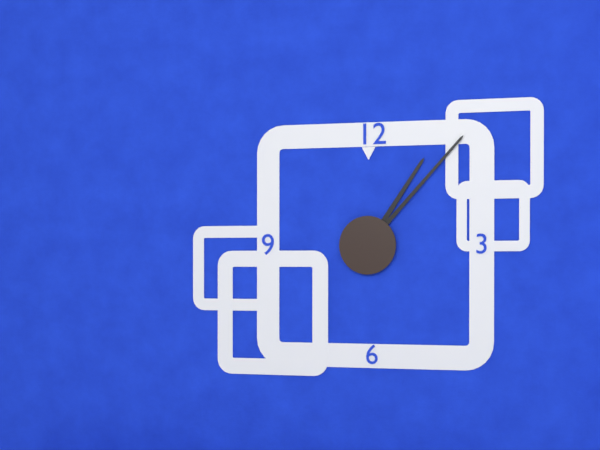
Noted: {"hour": 1, "minute": 7}
